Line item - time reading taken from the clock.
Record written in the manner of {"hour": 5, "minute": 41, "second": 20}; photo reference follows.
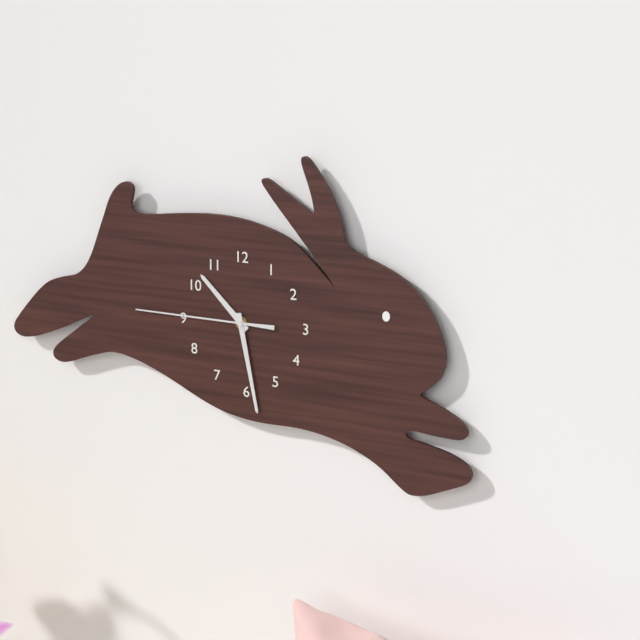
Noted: {"hour": 10, "minute": 28, "second": 45}
